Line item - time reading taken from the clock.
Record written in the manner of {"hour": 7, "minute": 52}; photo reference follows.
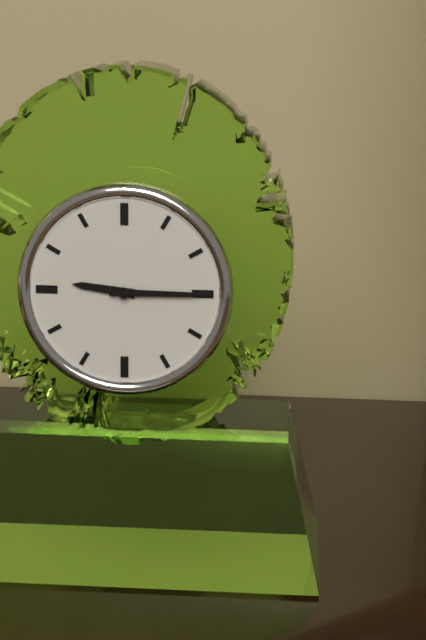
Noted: {"hour": 9, "minute": 15}
